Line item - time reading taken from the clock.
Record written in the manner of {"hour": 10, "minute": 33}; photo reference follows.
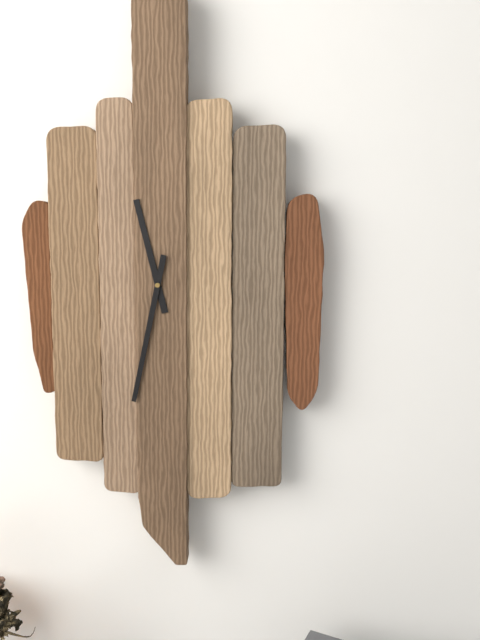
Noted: {"hour": 11, "minute": 32}
